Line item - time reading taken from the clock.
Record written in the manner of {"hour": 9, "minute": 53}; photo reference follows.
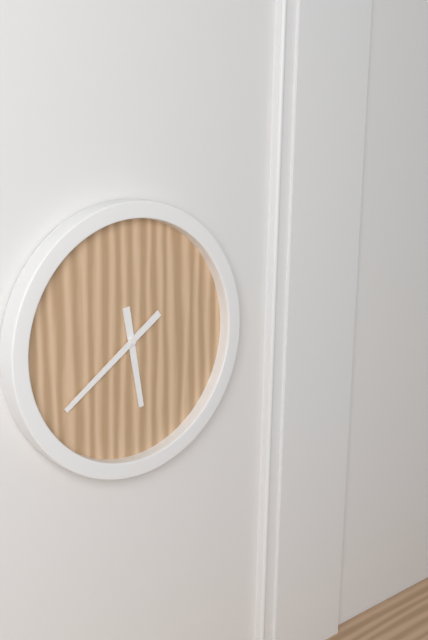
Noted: {"hour": 5, "minute": 39}
